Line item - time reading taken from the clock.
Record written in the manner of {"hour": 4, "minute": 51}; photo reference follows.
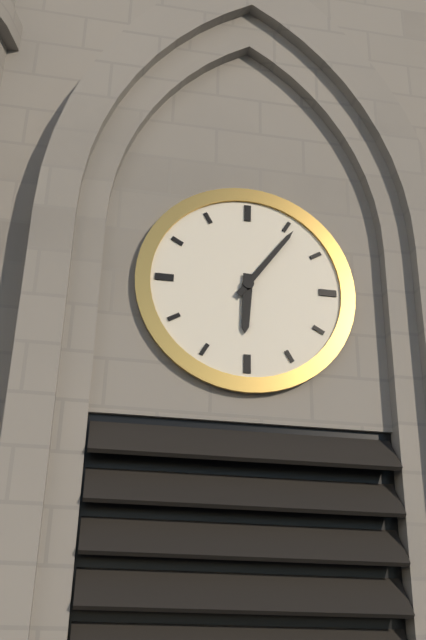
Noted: {"hour": 6, "minute": 6}
